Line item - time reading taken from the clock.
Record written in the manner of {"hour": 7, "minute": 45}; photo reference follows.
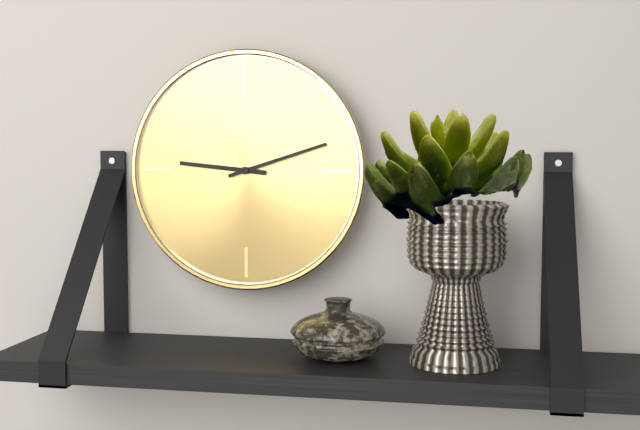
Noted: {"hour": 9, "minute": 12}
